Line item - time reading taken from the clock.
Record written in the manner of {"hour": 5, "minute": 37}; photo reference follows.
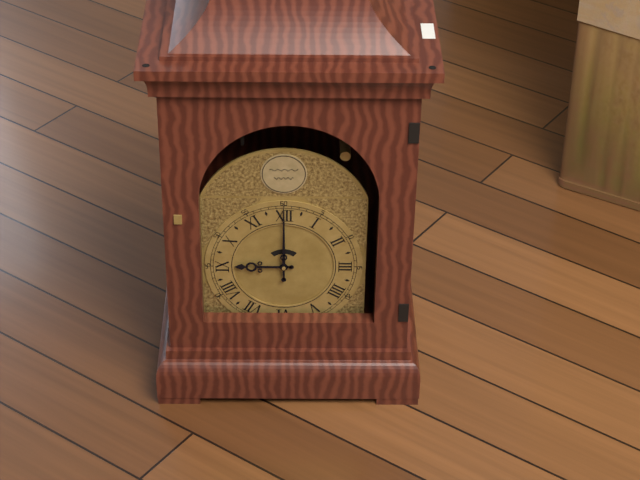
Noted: {"hour": 9, "minute": 0}
